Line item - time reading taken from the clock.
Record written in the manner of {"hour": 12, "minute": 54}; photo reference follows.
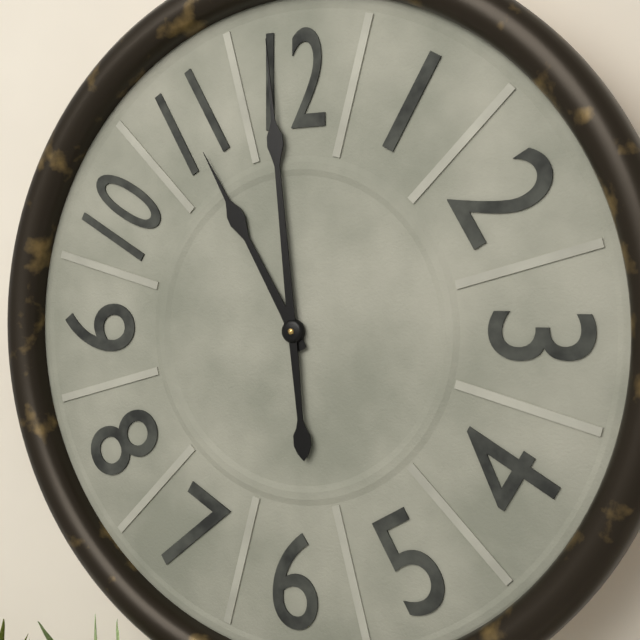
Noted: {"hour": 10, "minute": 59}
